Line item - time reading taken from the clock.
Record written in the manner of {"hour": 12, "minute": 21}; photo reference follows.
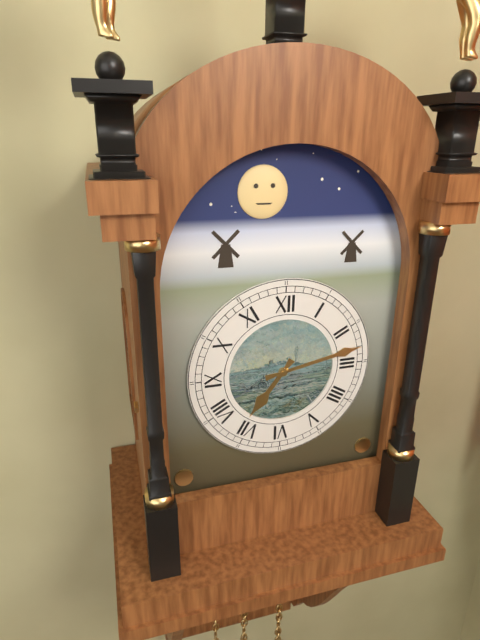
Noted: {"hour": 7, "minute": 13}
